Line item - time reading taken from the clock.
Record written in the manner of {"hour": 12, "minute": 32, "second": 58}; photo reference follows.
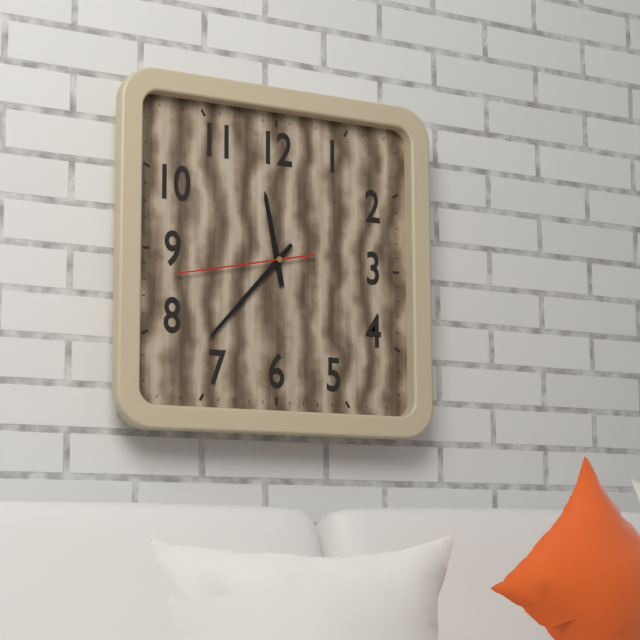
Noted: {"hour": 11, "minute": 37, "second": 43}
